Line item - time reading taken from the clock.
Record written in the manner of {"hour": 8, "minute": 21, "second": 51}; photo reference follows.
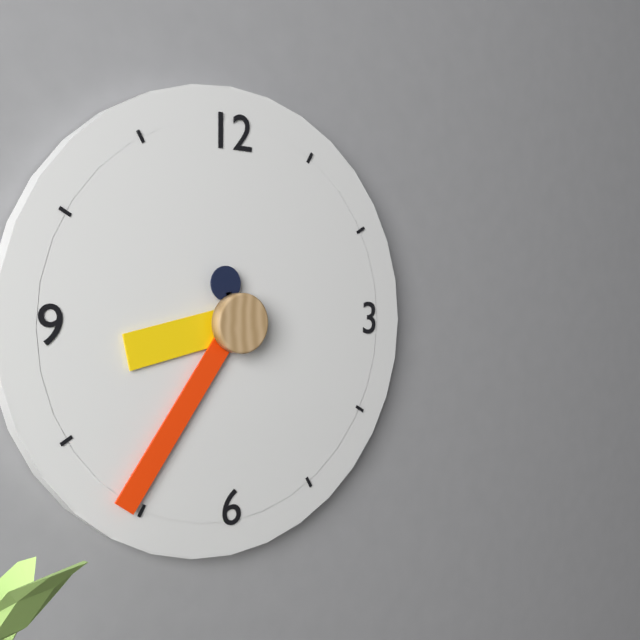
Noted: {"hour": 8, "minute": 36, "second": 57}
